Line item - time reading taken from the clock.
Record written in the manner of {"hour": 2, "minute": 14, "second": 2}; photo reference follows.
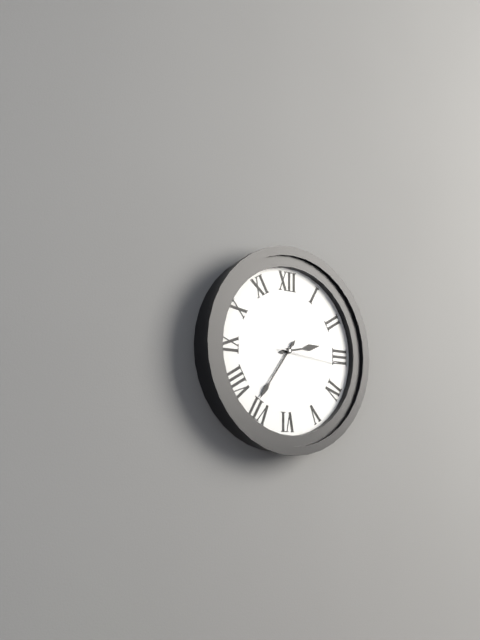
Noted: {"hour": 2, "minute": 36, "second": 16}
